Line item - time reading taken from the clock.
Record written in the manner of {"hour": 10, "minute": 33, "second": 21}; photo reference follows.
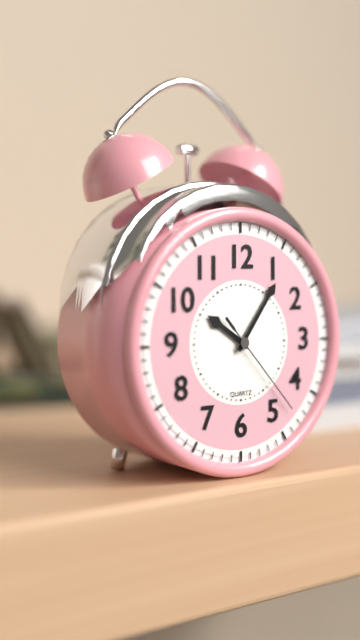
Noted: {"hour": 10, "minute": 6, "second": 23}
